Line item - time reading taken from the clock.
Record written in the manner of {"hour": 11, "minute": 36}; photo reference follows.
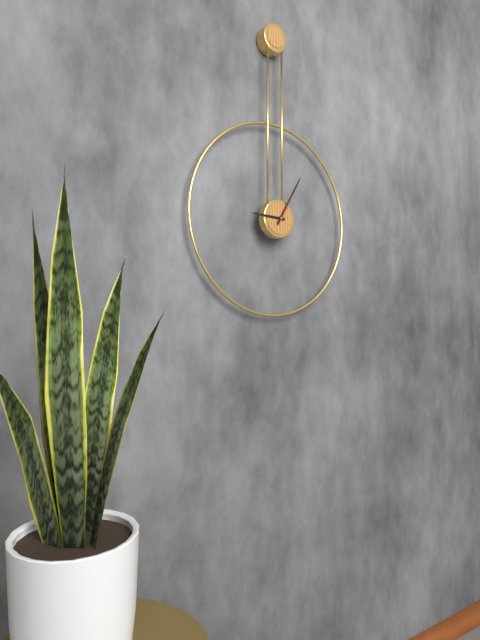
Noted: {"hour": 9, "minute": 5}
